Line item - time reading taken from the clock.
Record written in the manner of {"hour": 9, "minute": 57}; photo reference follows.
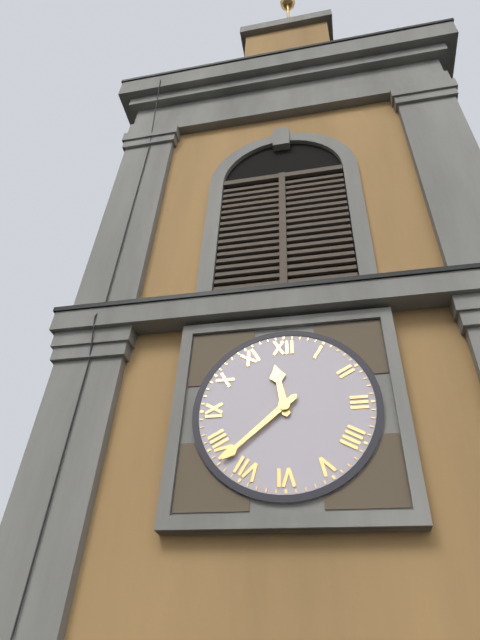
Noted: {"hour": 11, "minute": 38}
